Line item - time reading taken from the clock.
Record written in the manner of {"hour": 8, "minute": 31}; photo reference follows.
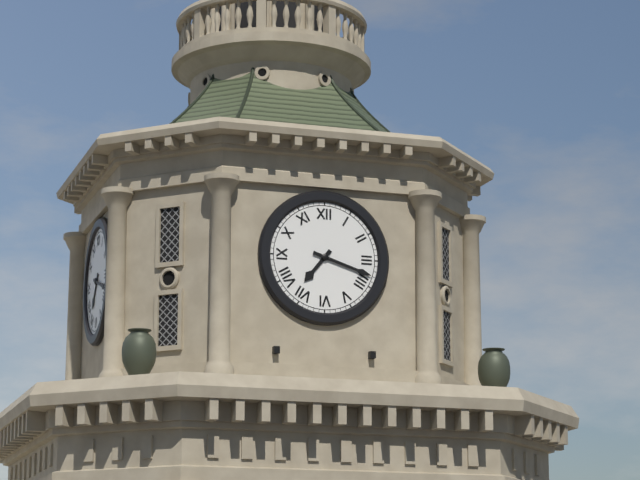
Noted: {"hour": 7, "minute": 18}
